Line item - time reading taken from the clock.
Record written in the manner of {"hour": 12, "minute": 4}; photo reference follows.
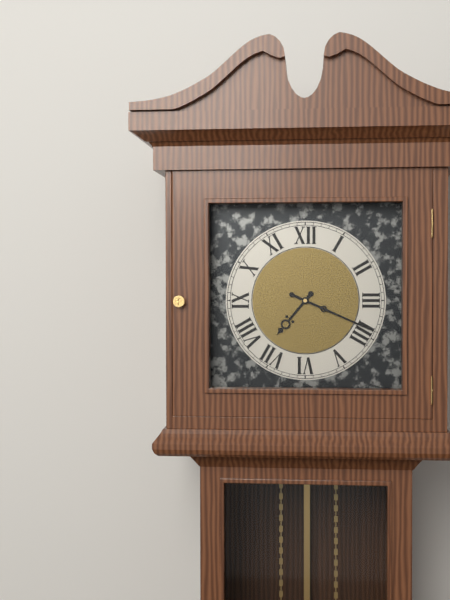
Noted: {"hour": 7, "minute": 19}
